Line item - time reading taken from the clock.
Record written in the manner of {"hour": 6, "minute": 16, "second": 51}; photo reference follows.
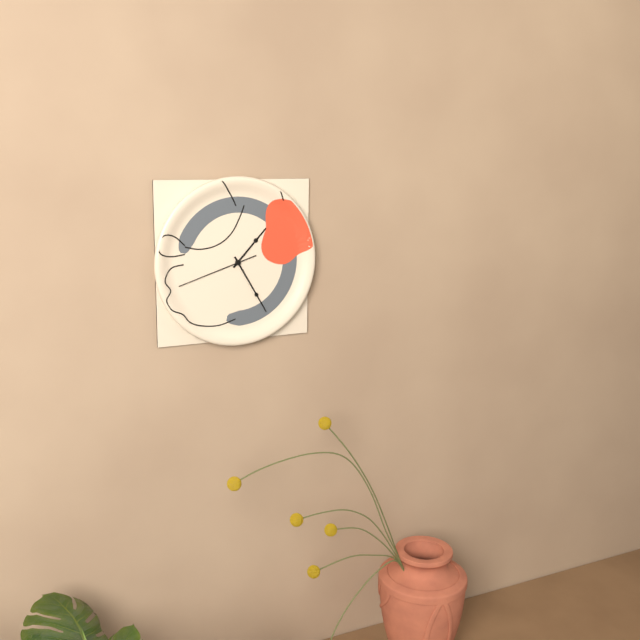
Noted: {"hour": 1, "minute": 25, "second": 42}
